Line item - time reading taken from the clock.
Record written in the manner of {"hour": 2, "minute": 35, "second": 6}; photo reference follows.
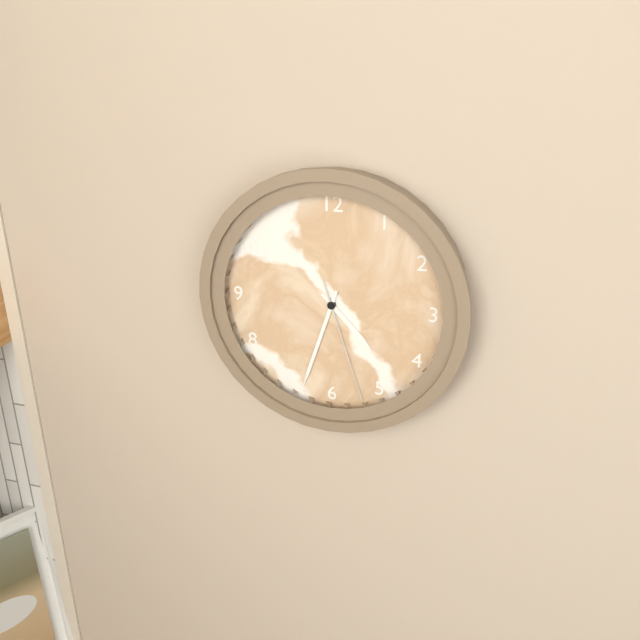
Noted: {"hour": 4, "minute": 33, "second": 27}
